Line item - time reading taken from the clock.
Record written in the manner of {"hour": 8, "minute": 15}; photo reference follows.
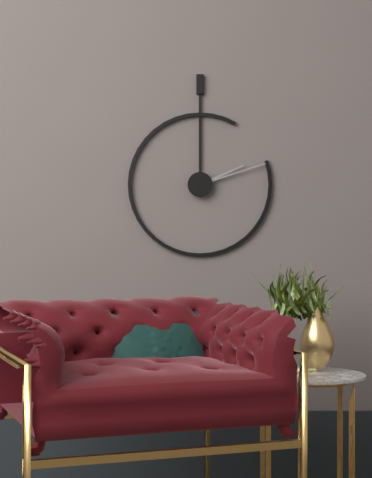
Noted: {"hour": 2, "minute": 12}
